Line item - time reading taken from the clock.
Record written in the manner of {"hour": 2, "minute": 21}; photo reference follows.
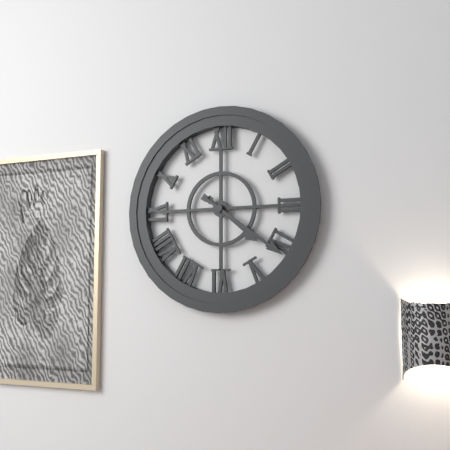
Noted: {"hour": 4, "minute": 21}
